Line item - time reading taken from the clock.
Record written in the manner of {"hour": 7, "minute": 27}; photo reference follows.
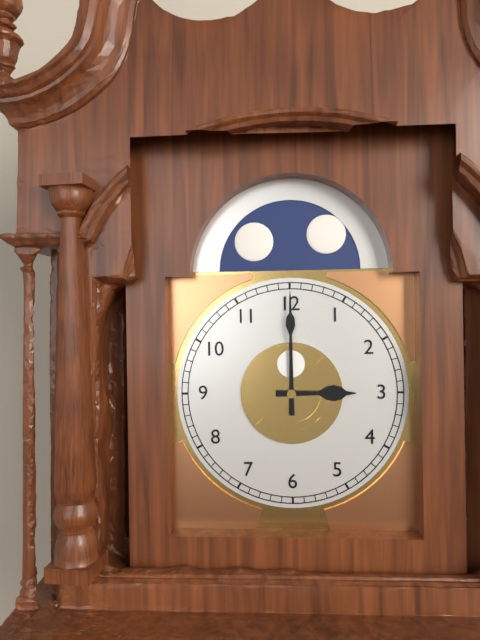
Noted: {"hour": 3, "minute": 0}
